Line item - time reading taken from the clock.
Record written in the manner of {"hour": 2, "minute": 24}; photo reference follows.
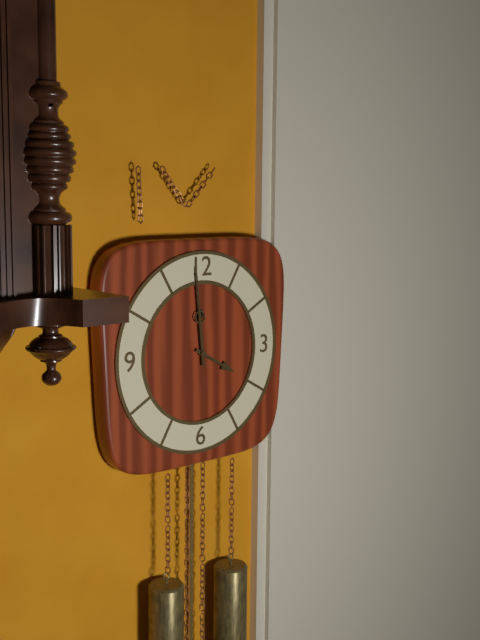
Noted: {"hour": 3, "minute": 59}
